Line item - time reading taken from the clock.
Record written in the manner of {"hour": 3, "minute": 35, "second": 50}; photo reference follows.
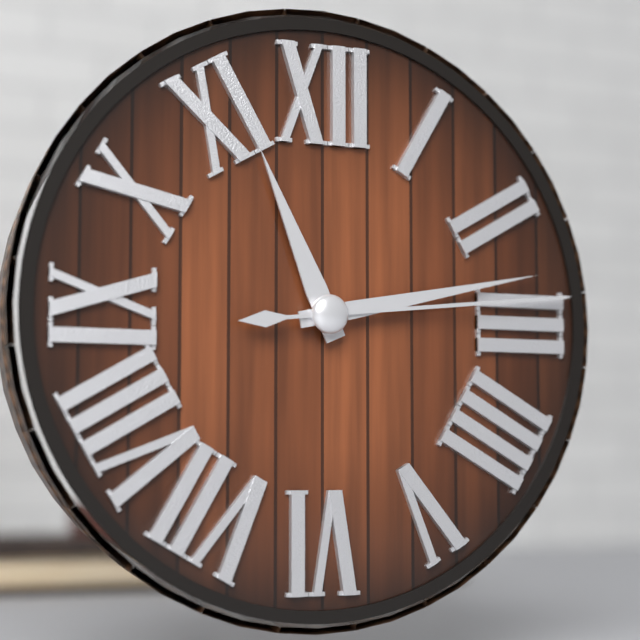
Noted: {"hour": 11, "minute": 13, "second": 14}
